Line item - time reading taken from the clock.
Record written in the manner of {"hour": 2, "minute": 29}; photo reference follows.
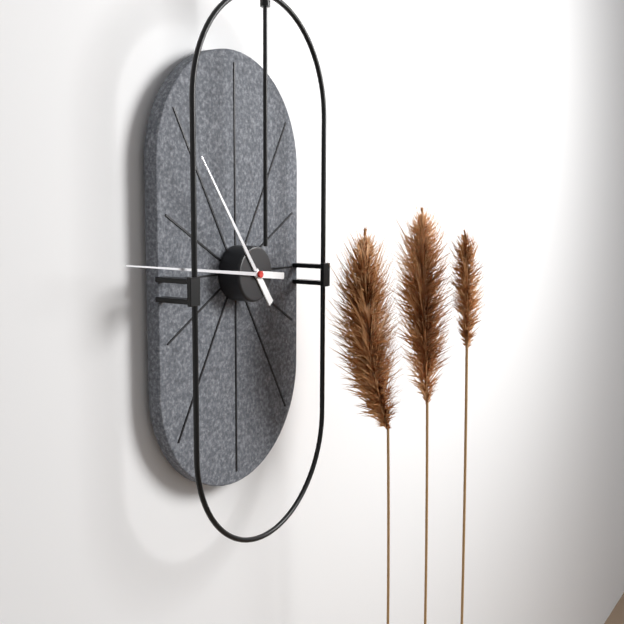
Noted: {"hour": 10, "minute": 46}
